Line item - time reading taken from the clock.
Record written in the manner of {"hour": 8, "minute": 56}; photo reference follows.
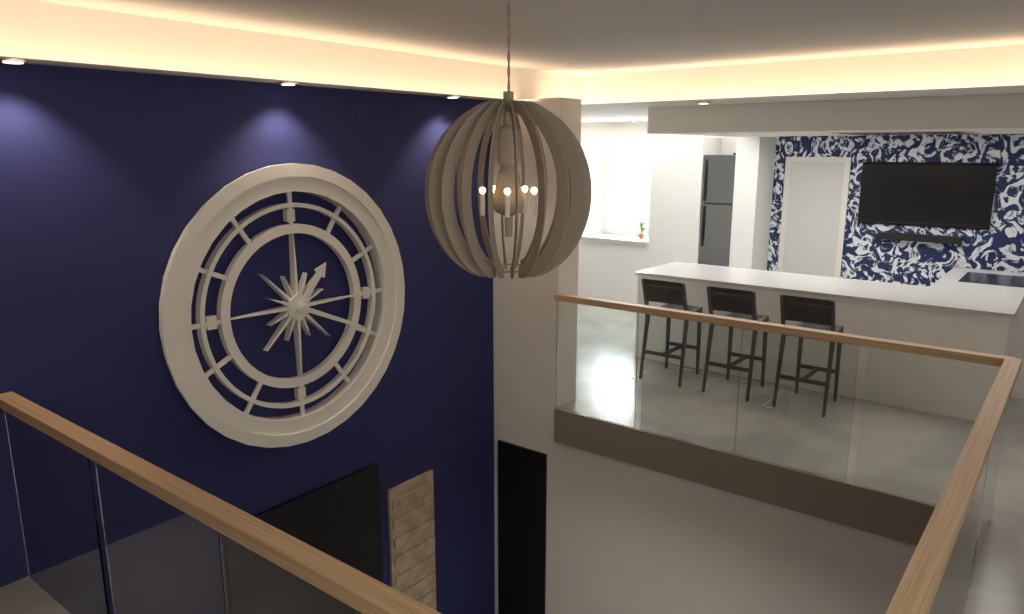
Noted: {"hour": 1, "minute": 19}
